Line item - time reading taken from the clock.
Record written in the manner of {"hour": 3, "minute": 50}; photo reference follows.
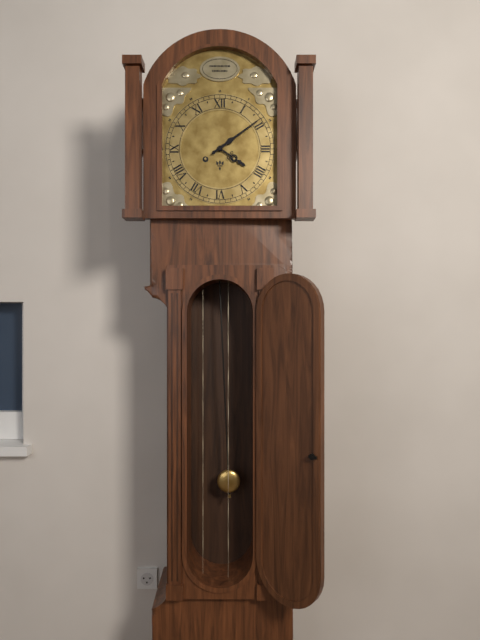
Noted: {"hour": 4, "minute": 9}
